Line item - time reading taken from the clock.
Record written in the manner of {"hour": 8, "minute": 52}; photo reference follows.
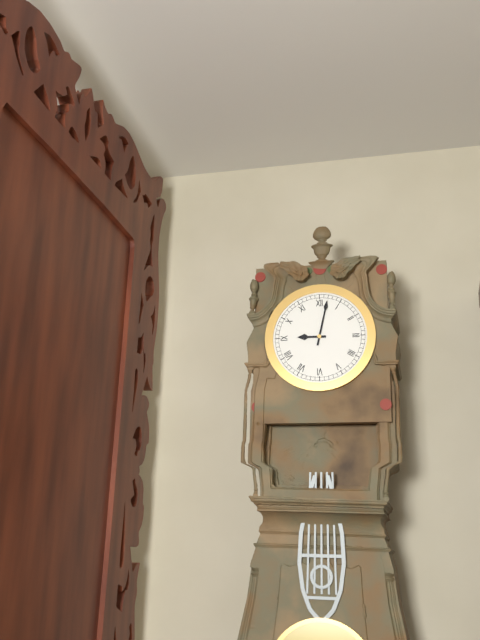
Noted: {"hour": 9, "minute": 2}
